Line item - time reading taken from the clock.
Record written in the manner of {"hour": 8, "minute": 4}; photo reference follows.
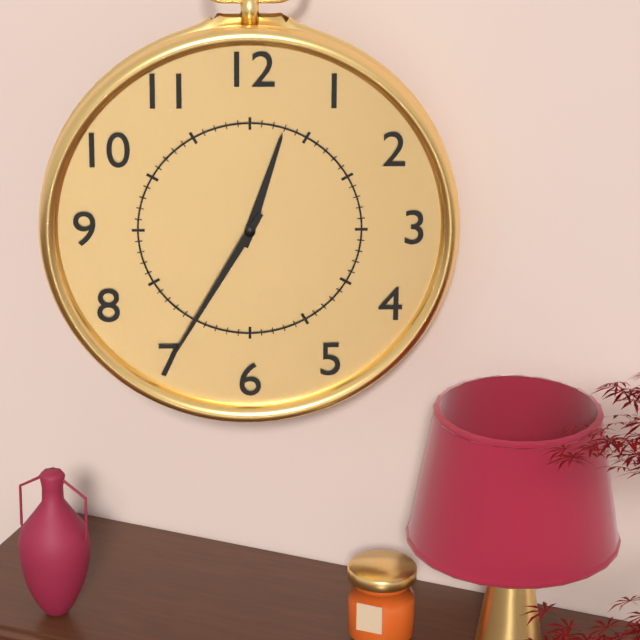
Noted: {"hour": 12, "minute": 35}
